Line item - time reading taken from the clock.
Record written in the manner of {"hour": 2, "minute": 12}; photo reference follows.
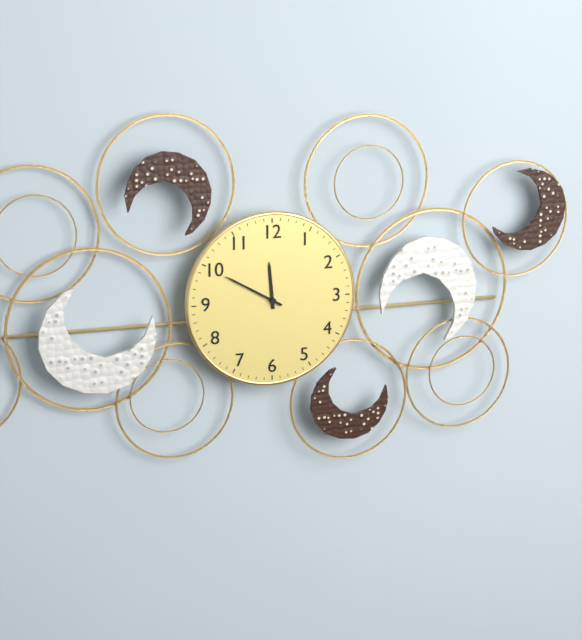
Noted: {"hour": 11, "minute": 50}
